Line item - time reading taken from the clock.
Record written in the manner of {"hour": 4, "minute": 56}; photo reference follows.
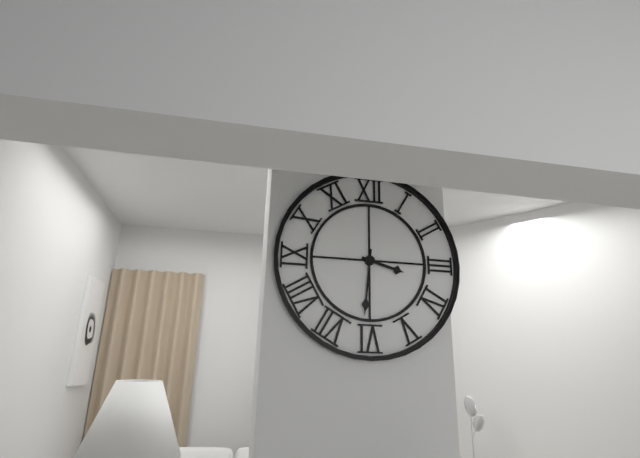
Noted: {"hour": 3, "minute": 31}
